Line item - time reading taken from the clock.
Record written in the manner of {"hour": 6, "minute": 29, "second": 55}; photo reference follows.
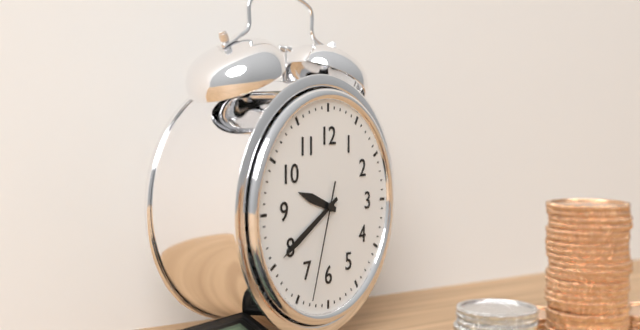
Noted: {"hour": 9, "minute": 40, "second": 33}
